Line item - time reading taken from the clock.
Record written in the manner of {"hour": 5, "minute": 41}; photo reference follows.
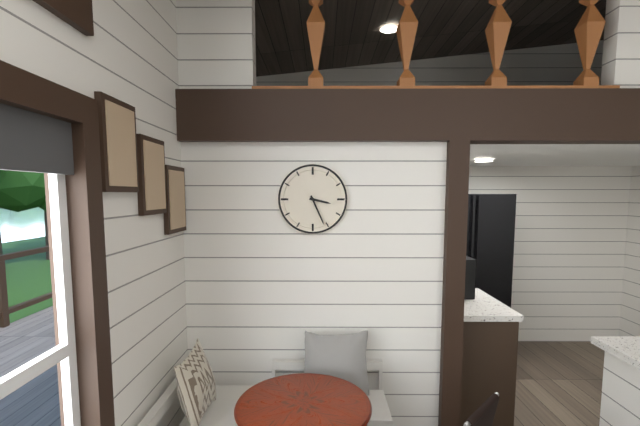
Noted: {"hour": 3, "minute": 26}
